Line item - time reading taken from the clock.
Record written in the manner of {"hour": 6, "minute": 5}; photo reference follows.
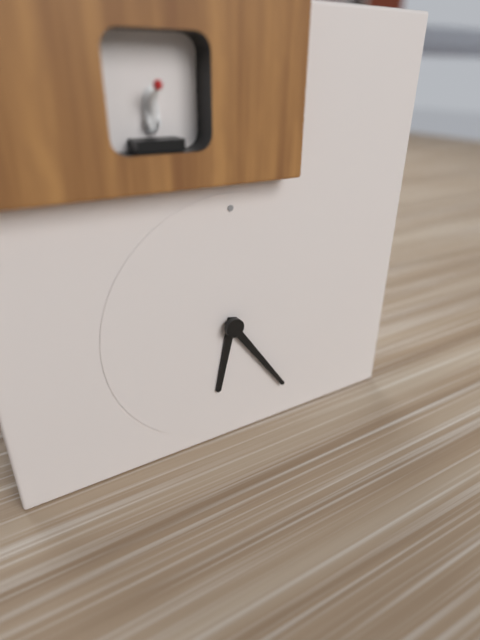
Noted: {"hour": 6, "minute": 24}
